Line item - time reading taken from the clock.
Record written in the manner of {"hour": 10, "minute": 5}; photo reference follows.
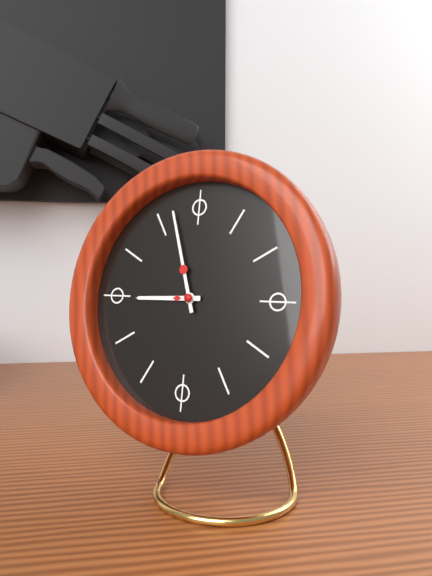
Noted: {"hour": 8, "minute": 57}
